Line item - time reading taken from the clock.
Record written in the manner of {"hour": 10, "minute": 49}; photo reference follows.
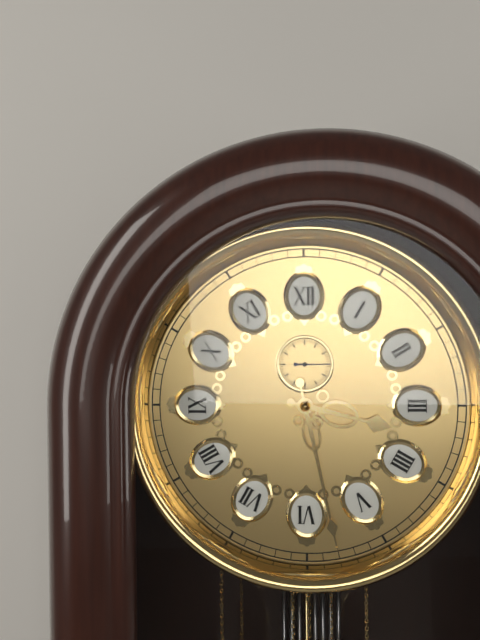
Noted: {"hour": 3, "minute": 28}
